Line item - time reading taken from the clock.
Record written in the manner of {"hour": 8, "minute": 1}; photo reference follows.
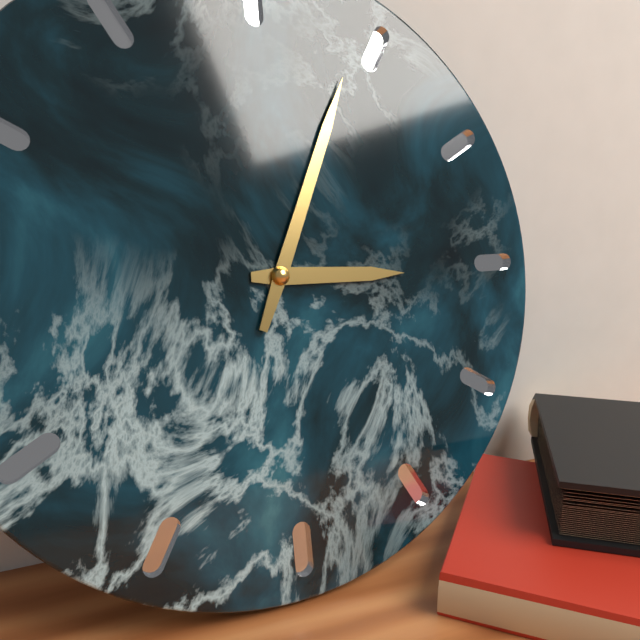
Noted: {"hour": 3, "minute": 4}
